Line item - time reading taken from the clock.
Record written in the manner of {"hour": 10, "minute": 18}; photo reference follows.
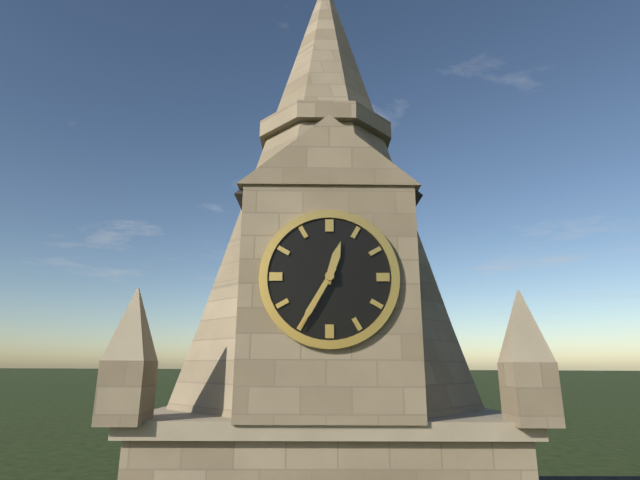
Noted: {"hour": 12, "minute": 35}
